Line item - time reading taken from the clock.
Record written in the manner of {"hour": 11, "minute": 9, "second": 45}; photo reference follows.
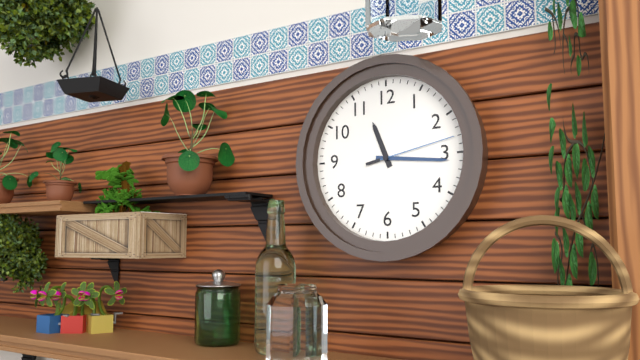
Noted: {"hour": 11, "minute": 16, "second": 13}
